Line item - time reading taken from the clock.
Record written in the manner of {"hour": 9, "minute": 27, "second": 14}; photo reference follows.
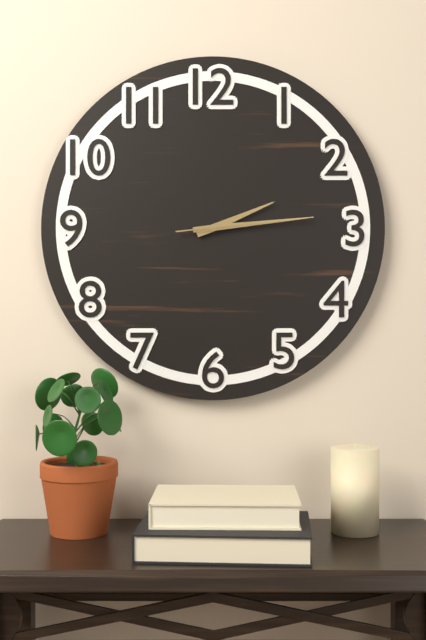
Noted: {"hour": 2, "minute": 14, "second": 14}
